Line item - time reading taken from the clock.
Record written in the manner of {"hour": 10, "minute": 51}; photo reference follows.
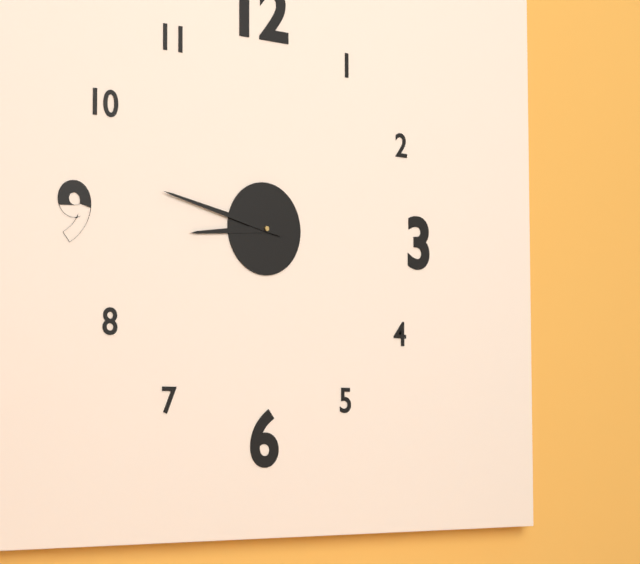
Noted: {"hour": 8, "minute": 47}
